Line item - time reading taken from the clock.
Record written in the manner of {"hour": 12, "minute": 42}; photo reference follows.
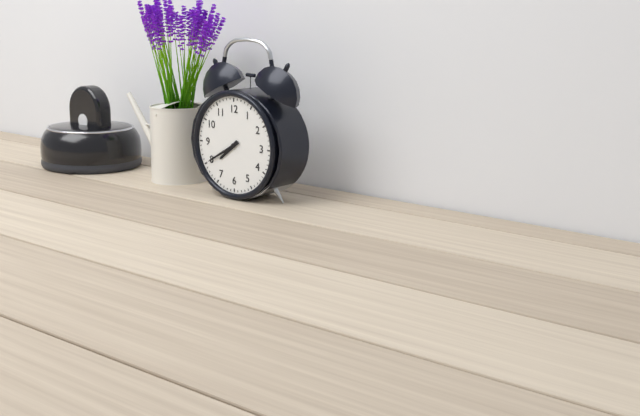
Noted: {"hour": 7, "minute": 40}
